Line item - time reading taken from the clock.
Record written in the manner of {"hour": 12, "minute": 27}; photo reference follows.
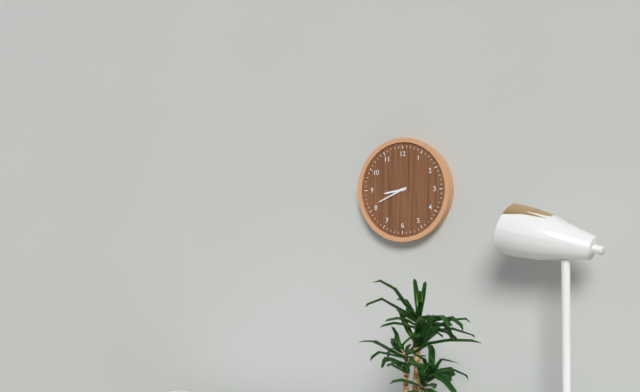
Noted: {"hour": 8, "minute": 41}
